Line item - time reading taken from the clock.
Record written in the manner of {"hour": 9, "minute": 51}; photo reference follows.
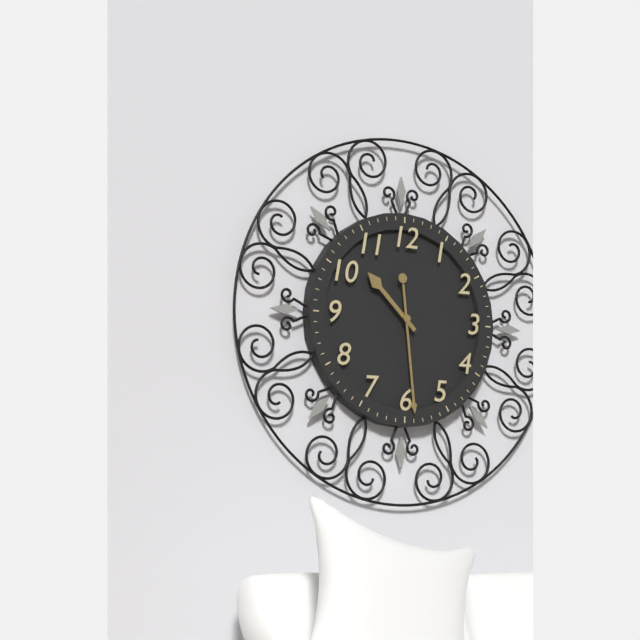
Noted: {"hour": 10, "minute": 29}
